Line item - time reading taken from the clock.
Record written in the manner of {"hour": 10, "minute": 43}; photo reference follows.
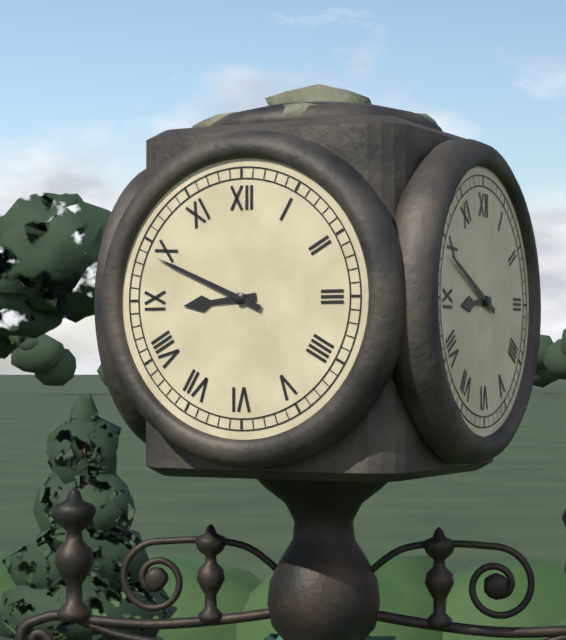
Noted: {"hour": 8, "minute": 49}
